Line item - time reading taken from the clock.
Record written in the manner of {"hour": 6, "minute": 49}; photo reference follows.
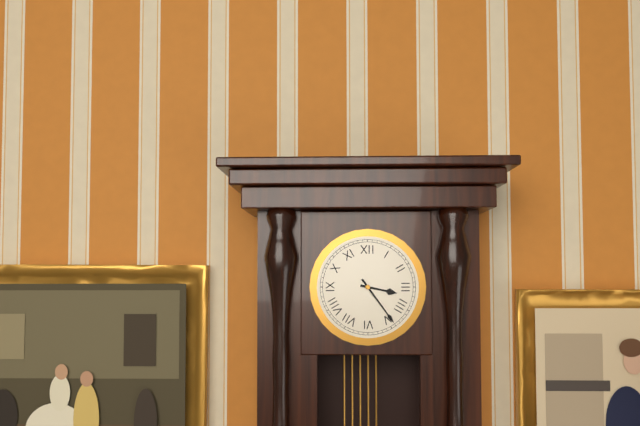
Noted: {"hour": 3, "minute": 24}
